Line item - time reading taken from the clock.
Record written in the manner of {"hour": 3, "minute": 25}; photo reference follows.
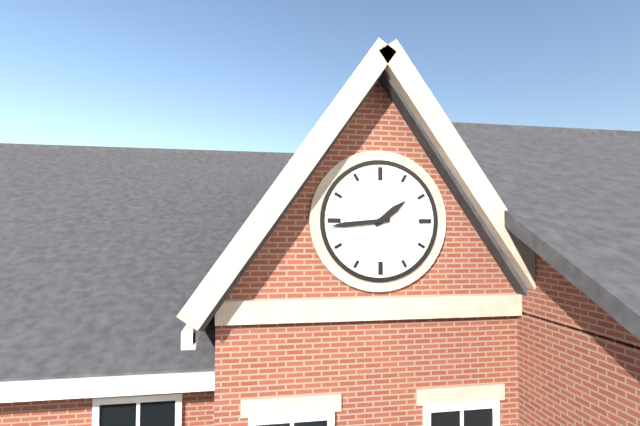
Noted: {"hour": 1, "minute": 44}
